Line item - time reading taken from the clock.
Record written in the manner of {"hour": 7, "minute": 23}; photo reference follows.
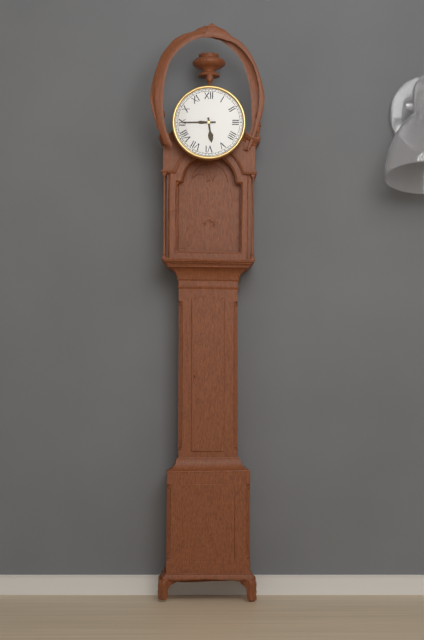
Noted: {"hour": 5, "minute": 45}
